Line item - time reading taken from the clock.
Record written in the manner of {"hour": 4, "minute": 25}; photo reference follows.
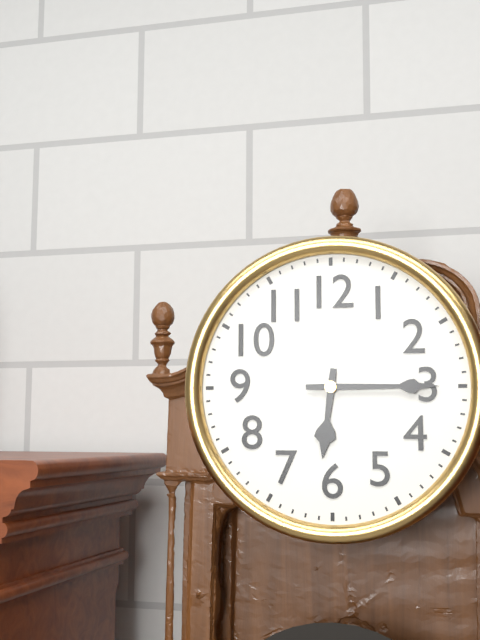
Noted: {"hour": 6, "minute": 15}
